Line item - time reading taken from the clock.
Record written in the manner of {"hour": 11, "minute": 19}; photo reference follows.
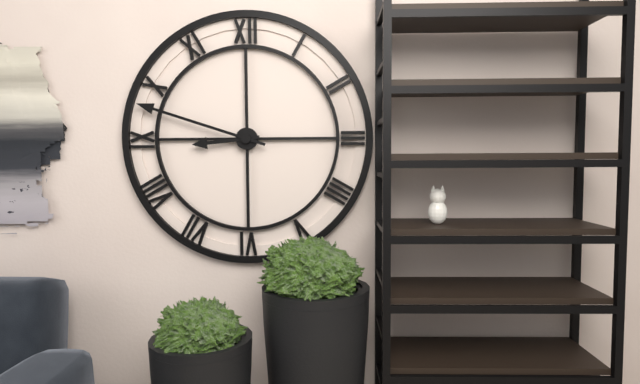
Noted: {"hour": 8, "minute": 48}
